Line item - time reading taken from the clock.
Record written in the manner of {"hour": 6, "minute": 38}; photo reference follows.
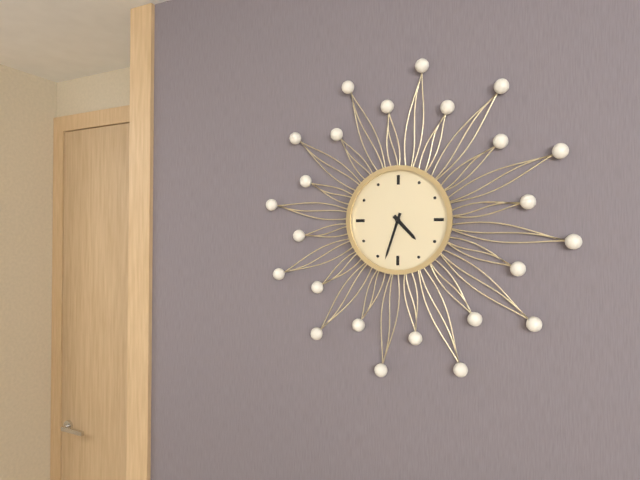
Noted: {"hour": 4, "minute": 33}
